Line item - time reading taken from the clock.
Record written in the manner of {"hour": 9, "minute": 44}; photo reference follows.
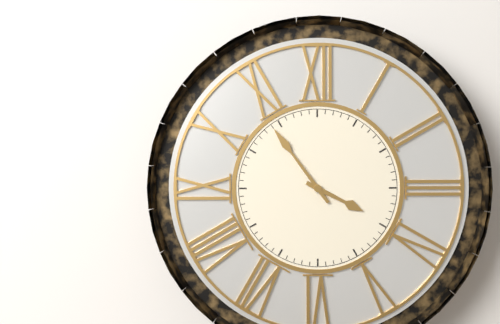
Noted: {"hour": 3, "minute": 54}
